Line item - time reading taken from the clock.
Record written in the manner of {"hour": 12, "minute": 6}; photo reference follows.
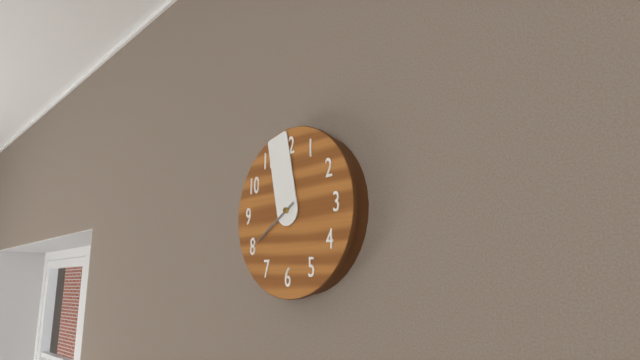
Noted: {"hour": 7, "minute": 58}
